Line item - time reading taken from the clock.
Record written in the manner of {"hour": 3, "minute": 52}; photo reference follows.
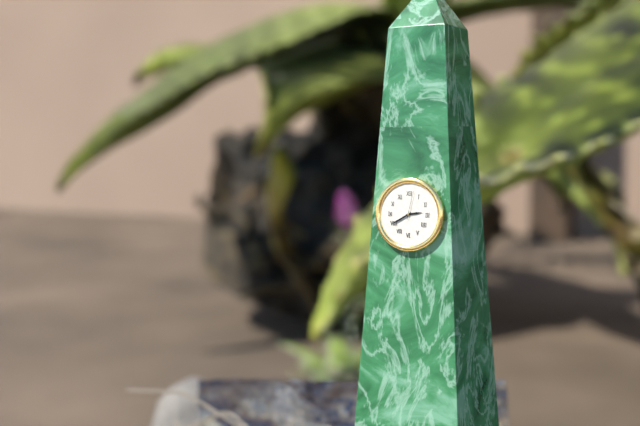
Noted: {"hour": 2, "minute": 40}
